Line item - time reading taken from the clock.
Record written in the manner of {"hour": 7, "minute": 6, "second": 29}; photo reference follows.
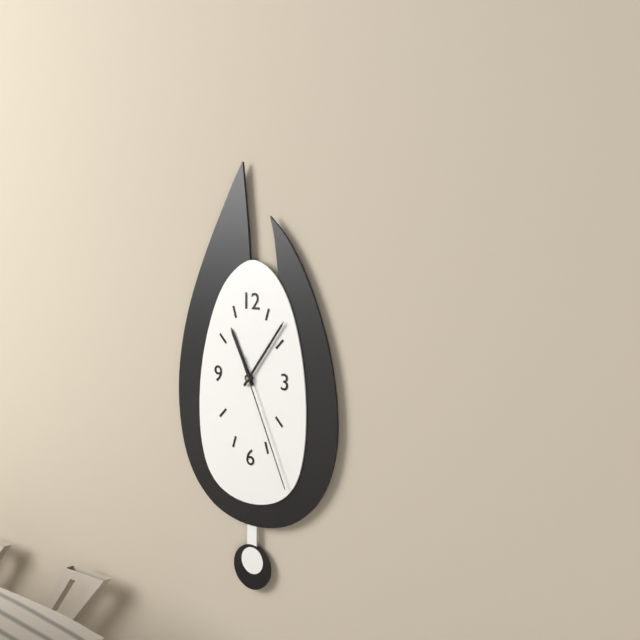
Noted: {"hour": 11, "minute": 6, "second": 26}
